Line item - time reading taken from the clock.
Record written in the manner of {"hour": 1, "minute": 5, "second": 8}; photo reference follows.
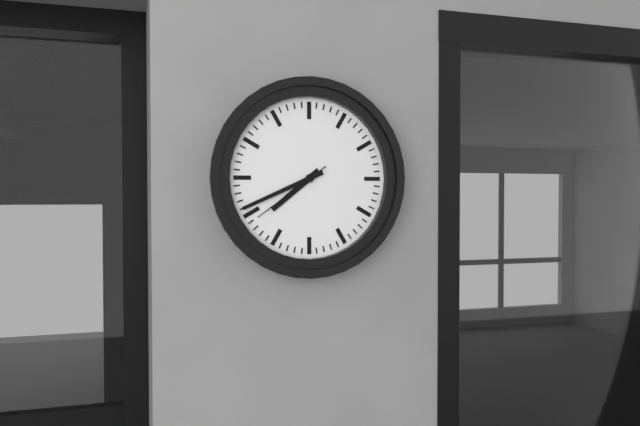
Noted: {"hour": 7, "minute": 41, "second": 39}
